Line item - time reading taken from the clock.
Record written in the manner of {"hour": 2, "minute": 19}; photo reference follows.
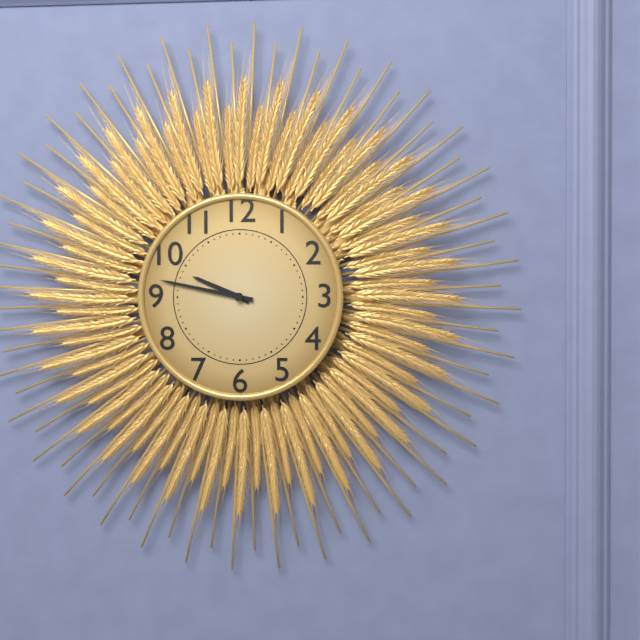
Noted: {"hour": 9, "minute": 47}
